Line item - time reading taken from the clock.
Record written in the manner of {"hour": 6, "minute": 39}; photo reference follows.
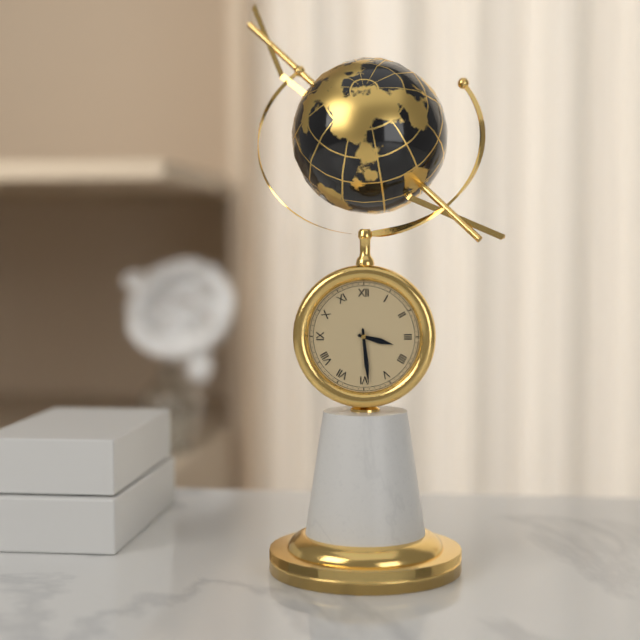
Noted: {"hour": 3, "minute": 29}
